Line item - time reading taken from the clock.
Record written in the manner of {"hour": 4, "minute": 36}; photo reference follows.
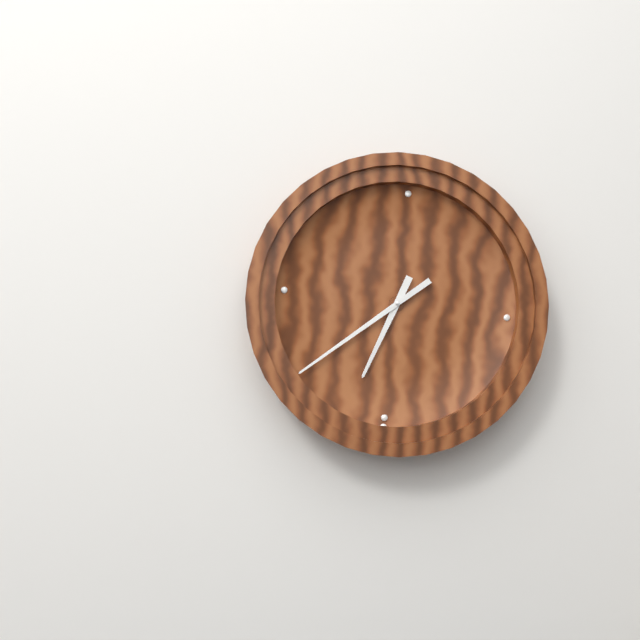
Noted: {"hour": 6, "minute": 38}
